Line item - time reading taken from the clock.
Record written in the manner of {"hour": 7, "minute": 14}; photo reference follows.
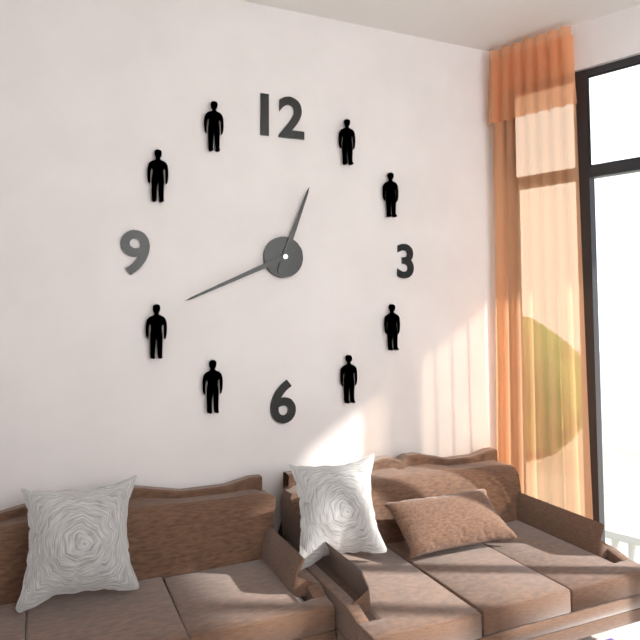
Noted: {"hour": 12, "minute": 41}
